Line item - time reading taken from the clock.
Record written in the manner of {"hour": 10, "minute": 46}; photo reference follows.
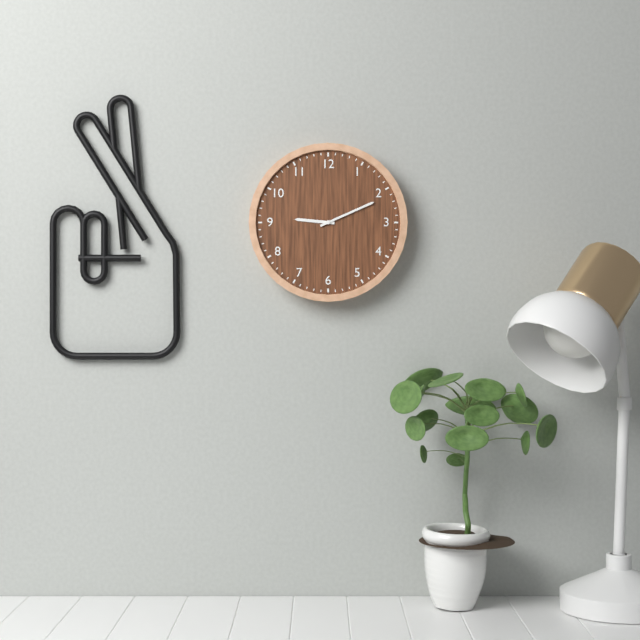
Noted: {"hour": 9, "minute": 11}
